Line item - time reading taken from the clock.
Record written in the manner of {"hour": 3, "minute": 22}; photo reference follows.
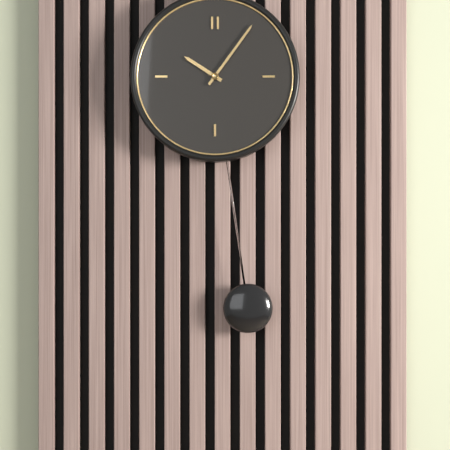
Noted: {"hour": 10, "minute": 6}
